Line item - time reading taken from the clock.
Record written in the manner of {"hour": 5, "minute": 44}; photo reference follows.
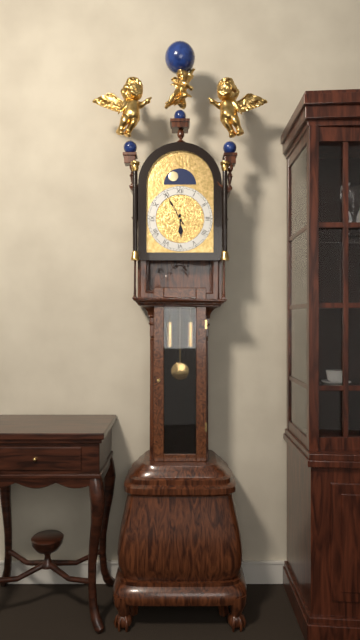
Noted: {"hour": 5, "minute": 55}
